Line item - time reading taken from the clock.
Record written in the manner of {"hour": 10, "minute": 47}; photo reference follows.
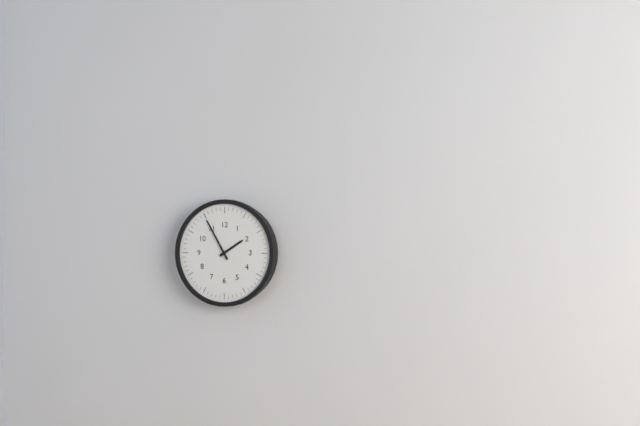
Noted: {"hour": 1, "minute": 55}
